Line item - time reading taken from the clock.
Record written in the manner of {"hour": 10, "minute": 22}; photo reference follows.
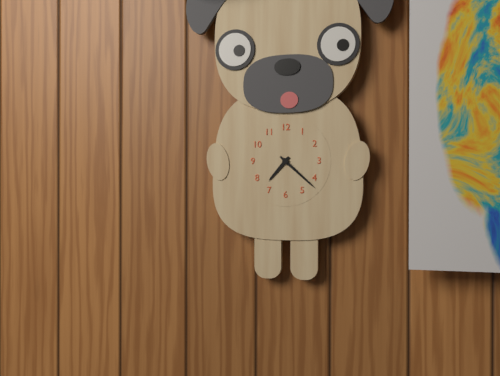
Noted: {"hour": 7, "minute": 22}
